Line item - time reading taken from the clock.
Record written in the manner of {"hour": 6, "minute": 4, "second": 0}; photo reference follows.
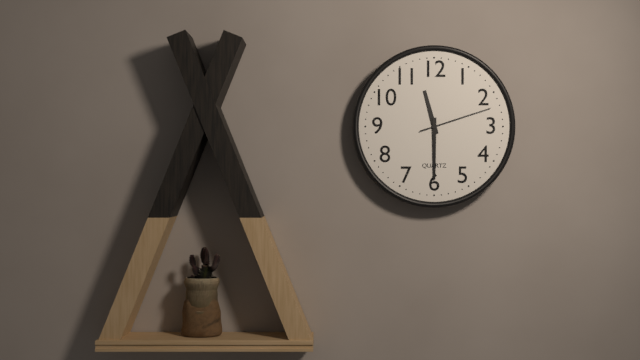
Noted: {"hour": 11, "minute": 30, "second": 12}
